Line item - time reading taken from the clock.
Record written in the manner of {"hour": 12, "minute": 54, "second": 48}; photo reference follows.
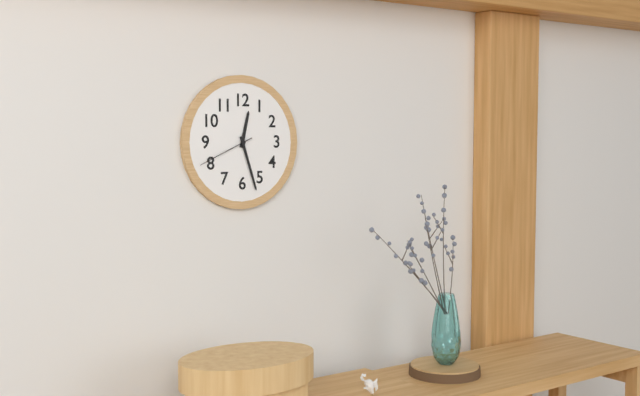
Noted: {"hour": 12, "minute": 27, "second": 41}
